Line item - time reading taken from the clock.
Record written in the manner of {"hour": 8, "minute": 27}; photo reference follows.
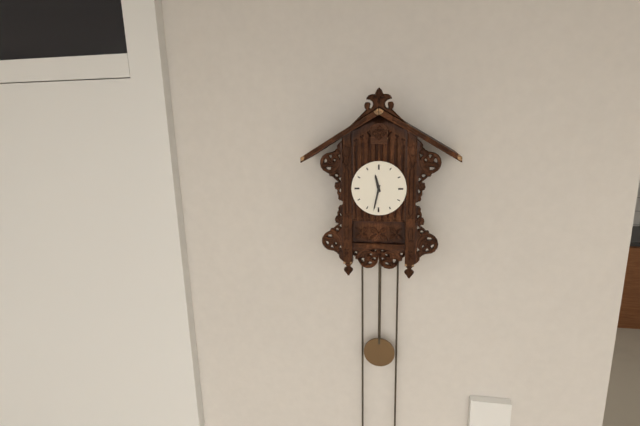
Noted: {"hour": 11, "minute": 32}
